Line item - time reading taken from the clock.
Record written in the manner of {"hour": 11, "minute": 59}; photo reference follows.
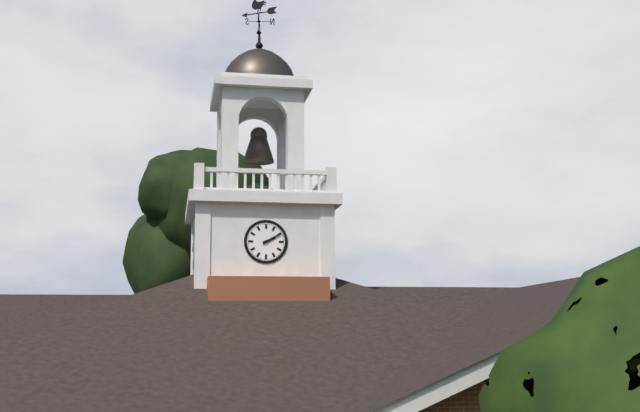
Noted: {"hour": 2, "minute": 10}
